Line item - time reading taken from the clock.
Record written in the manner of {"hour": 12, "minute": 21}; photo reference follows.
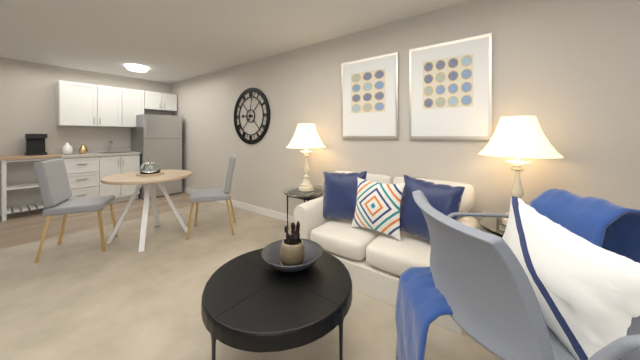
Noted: {"hour": 9, "minute": 2}
